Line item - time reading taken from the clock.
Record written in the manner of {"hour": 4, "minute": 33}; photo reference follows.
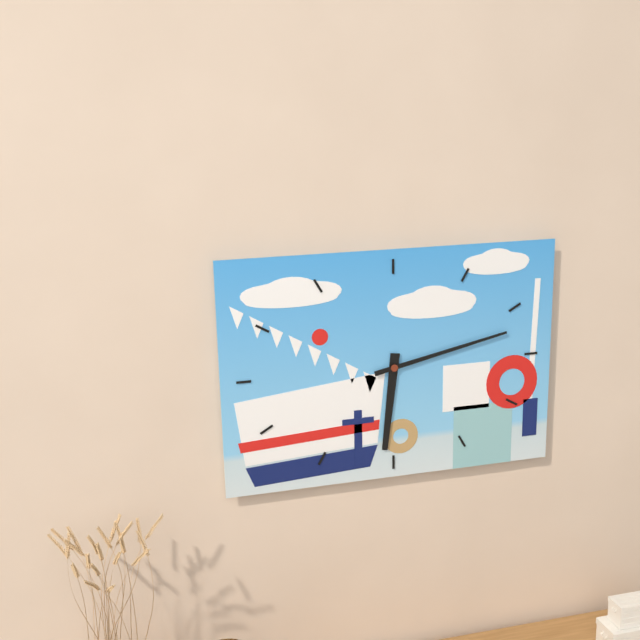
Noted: {"hour": 6, "minute": 13}
